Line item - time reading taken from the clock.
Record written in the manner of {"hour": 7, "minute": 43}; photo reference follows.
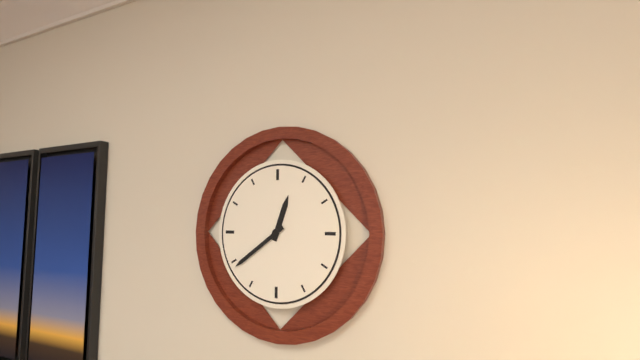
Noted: {"hour": 12, "minute": 39}
